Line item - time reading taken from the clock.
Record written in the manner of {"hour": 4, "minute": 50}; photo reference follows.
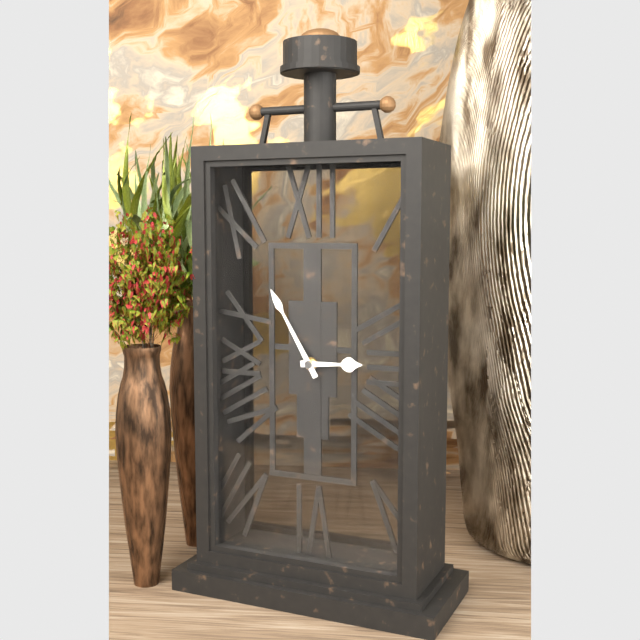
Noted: {"hour": 2, "minute": 55}
